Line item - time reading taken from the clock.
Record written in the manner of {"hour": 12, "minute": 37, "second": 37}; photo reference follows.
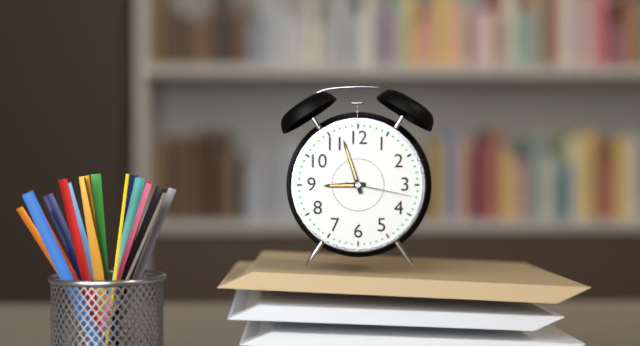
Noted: {"hour": 8, "minute": 57, "second": 17}
